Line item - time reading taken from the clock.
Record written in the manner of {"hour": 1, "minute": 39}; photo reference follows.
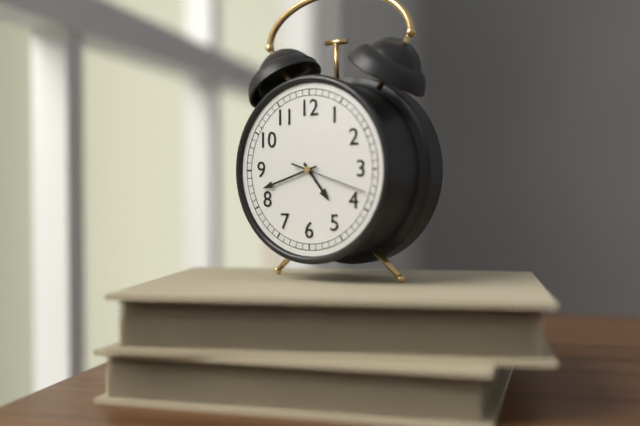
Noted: {"hour": 4, "minute": 42}
